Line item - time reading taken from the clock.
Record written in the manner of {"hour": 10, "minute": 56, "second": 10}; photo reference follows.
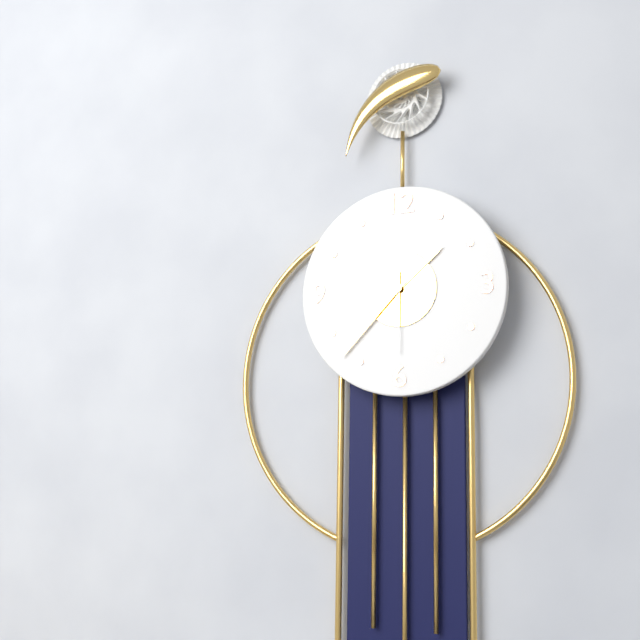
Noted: {"hour": 1, "minute": 37, "second": 30}
